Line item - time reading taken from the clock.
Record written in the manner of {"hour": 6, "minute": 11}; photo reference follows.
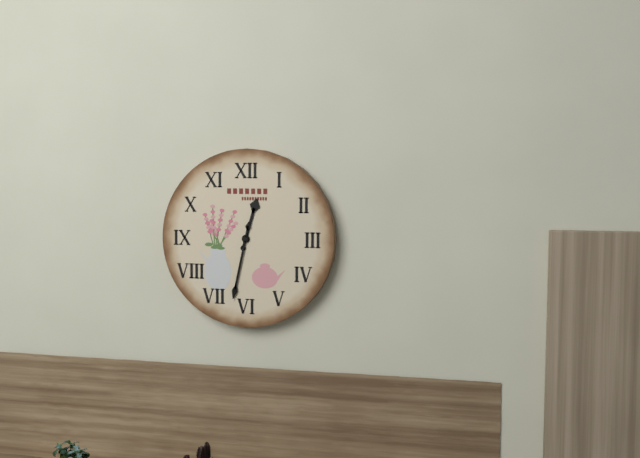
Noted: {"hour": 12, "minute": 32}
